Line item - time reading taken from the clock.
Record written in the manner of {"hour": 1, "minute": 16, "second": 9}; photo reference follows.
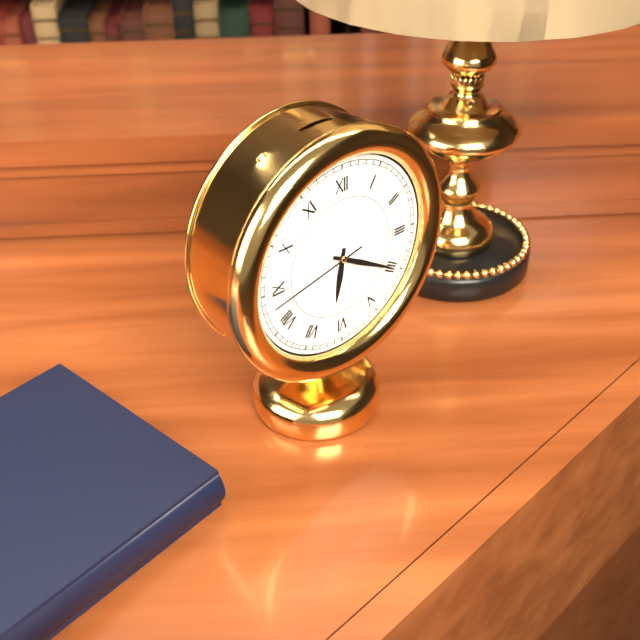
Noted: {"hour": 6, "minute": 20, "second": 43}
